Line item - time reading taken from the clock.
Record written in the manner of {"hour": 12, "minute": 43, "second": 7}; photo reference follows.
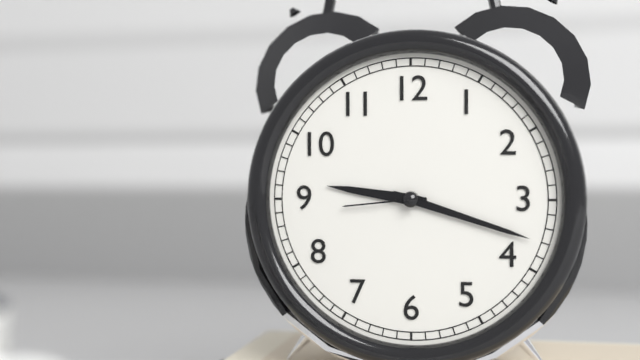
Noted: {"hour": 9, "minute": 18, "second": 44}
